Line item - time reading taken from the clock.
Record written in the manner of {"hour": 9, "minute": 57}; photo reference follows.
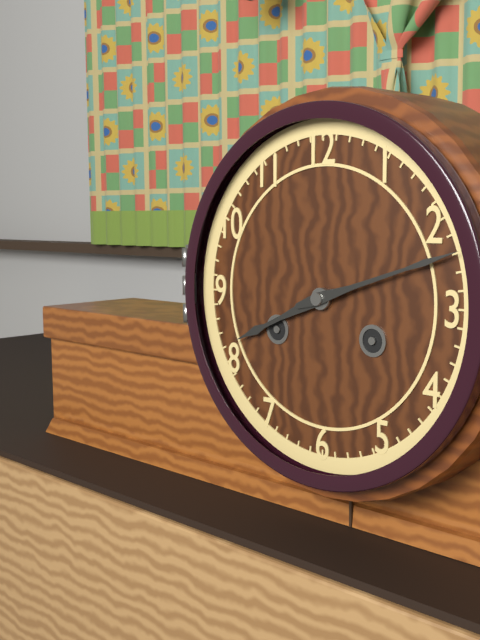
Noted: {"hour": 8, "minute": 12}
